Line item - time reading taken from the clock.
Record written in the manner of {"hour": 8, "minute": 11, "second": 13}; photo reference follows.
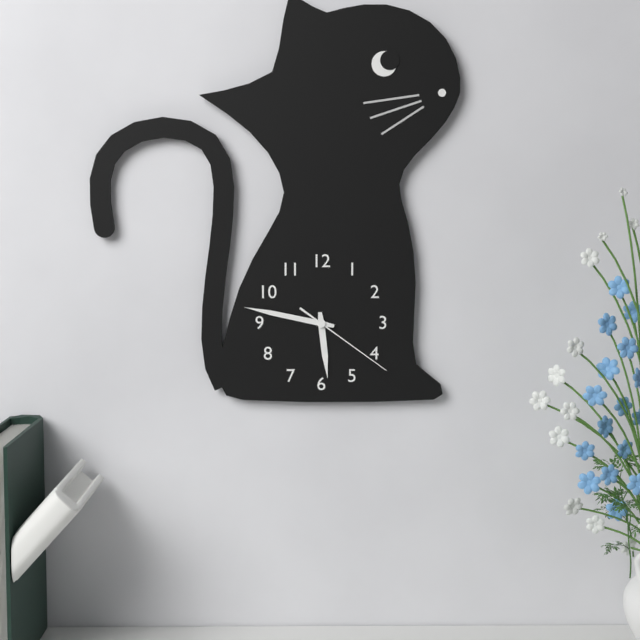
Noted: {"hour": 5, "minute": 47, "second": 21}
